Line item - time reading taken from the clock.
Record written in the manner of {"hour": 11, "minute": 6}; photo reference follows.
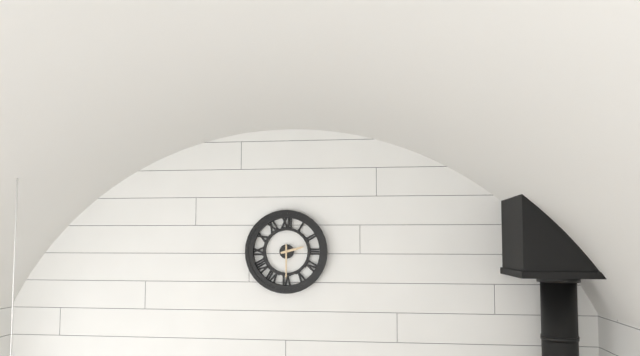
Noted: {"hour": 2, "minute": 30}
